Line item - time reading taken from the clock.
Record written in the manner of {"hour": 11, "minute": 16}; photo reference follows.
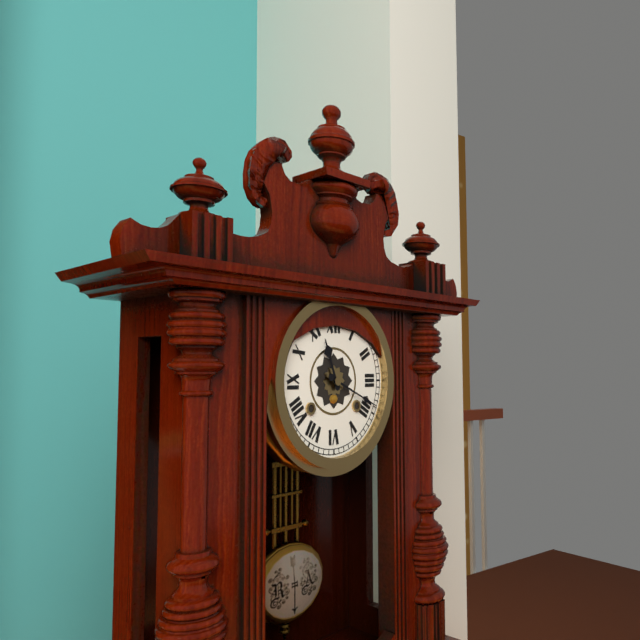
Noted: {"hour": 11, "minute": 19}
